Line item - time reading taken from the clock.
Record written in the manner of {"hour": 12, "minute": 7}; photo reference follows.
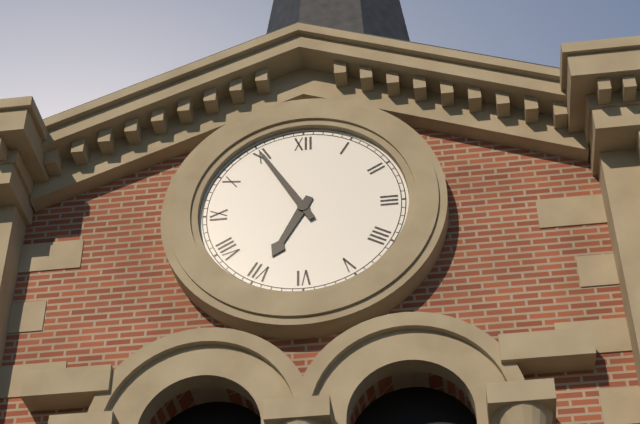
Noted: {"hour": 6, "minute": 55}
